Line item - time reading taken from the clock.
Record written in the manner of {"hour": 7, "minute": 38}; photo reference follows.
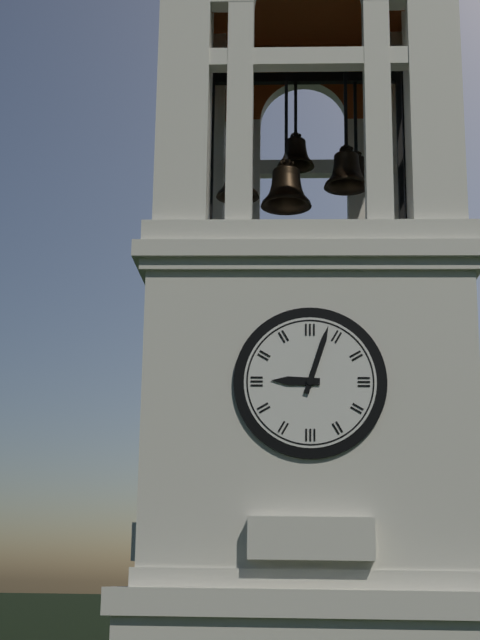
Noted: {"hour": 9, "minute": 3}
